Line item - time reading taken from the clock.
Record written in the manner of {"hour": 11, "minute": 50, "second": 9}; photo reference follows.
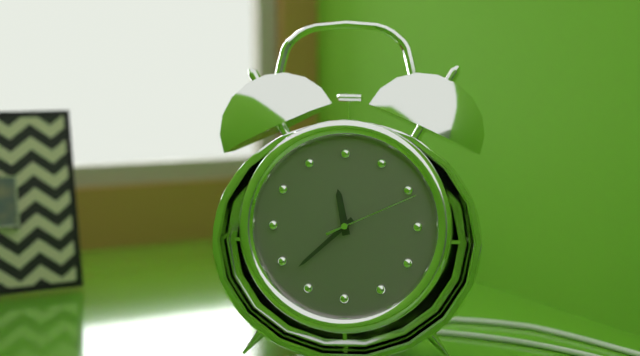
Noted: {"hour": 11, "minute": 38, "second": 11}
